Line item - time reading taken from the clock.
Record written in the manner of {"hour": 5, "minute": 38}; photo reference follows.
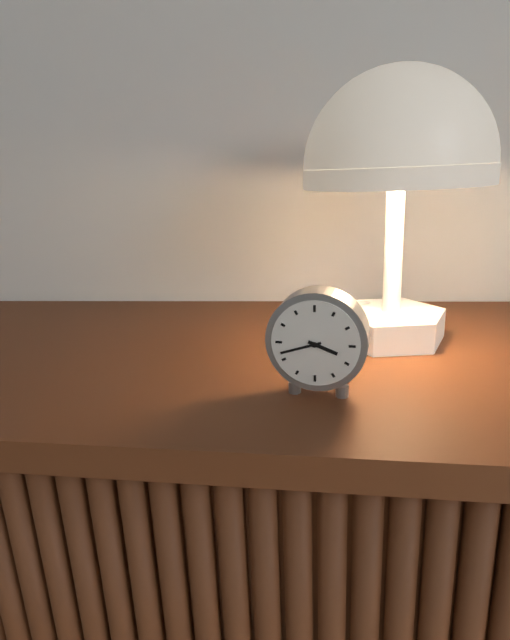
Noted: {"hour": 3, "minute": 42}
